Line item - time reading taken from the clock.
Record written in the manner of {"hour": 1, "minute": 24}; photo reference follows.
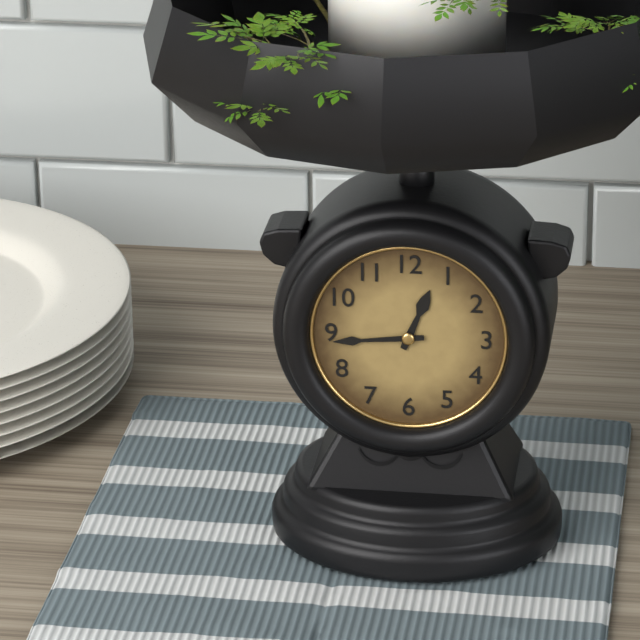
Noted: {"hour": 12, "minute": 44}
